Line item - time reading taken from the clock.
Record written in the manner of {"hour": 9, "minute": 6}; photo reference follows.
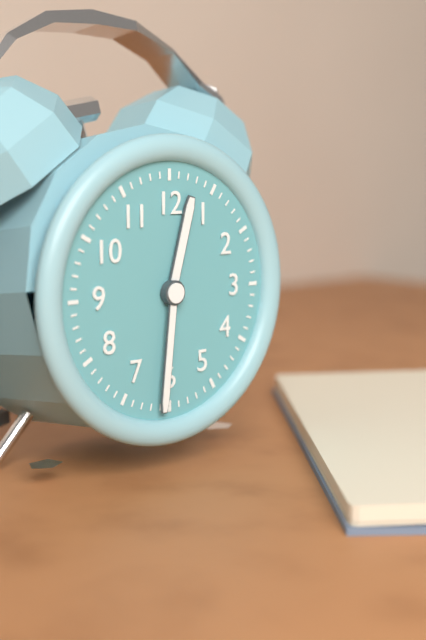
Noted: {"hour": 12, "minute": 31}
